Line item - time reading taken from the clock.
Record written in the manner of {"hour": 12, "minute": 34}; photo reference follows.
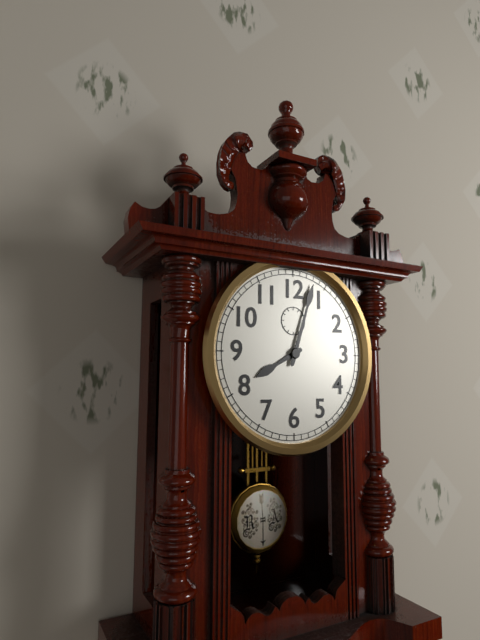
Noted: {"hour": 8, "minute": 3}
